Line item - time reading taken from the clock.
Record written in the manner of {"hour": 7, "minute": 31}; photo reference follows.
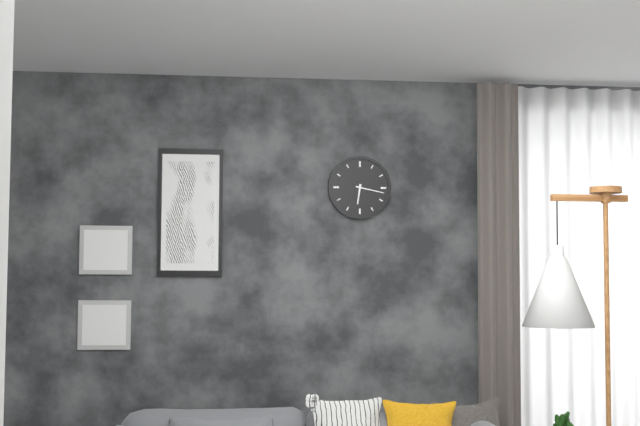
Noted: {"hour": 6, "minute": 17}
